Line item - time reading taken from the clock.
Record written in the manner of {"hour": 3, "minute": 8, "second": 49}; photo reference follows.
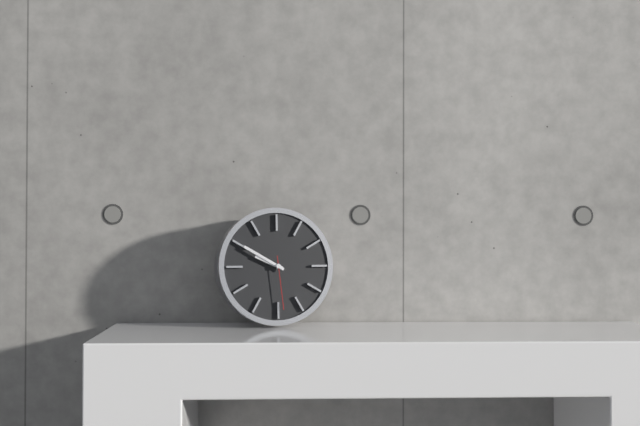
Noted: {"hour": 9, "minute": 50, "second": 29}
